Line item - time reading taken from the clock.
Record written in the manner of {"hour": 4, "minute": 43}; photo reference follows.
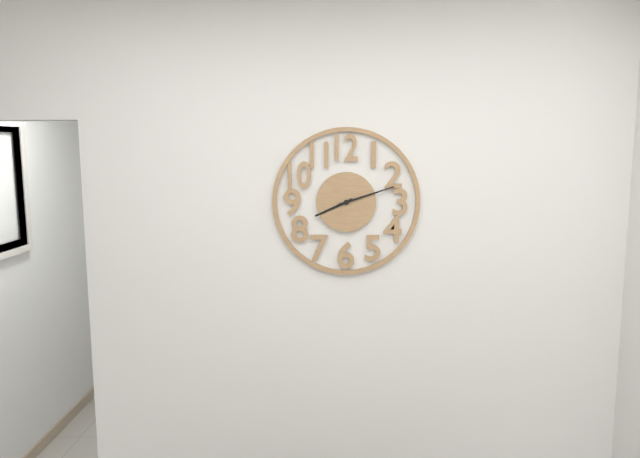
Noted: {"hour": 8, "minute": 12}
